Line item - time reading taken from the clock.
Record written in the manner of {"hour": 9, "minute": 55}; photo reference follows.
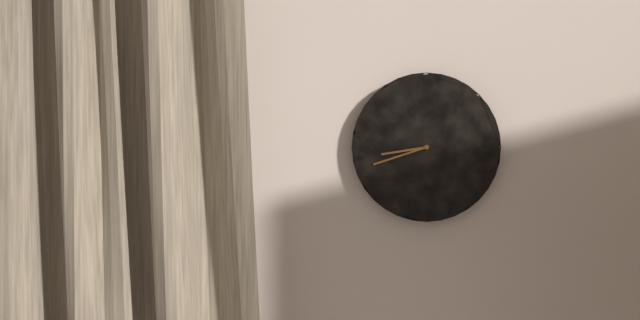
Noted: {"hour": 8, "minute": 42}
